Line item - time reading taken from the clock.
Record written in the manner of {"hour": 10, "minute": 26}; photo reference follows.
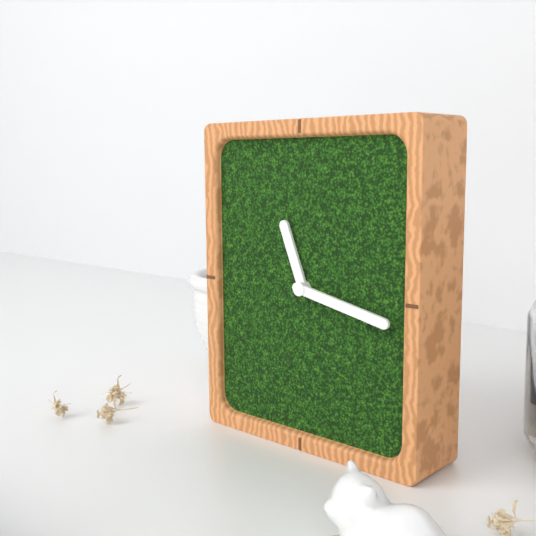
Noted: {"hour": 11, "minute": 17}
